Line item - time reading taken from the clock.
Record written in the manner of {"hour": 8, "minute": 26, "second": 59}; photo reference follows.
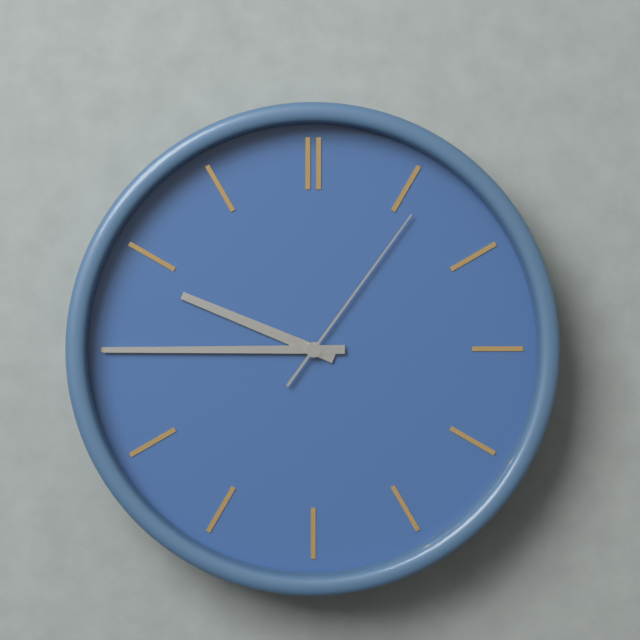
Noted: {"hour": 9, "minute": 45, "second": 6}
